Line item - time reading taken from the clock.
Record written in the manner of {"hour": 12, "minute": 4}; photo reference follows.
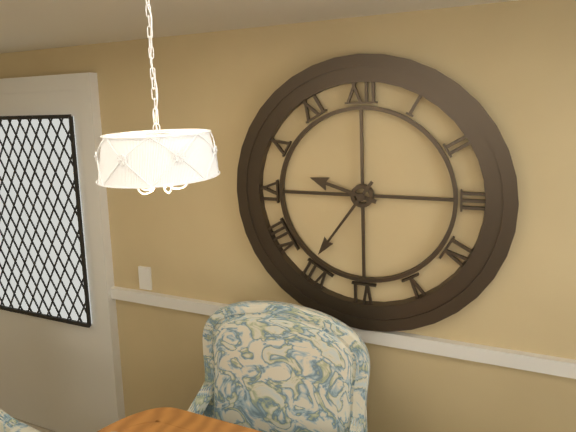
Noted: {"hour": 9, "minute": 36}
